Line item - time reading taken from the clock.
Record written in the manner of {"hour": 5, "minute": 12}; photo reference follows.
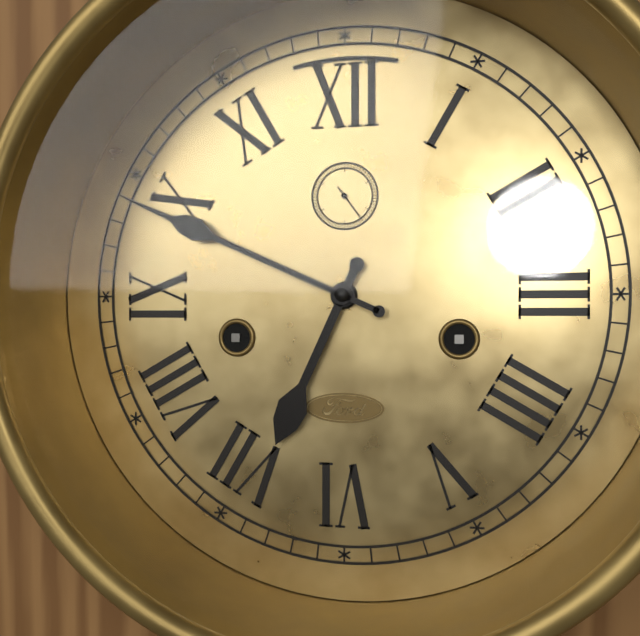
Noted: {"hour": 6, "minute": 49}
